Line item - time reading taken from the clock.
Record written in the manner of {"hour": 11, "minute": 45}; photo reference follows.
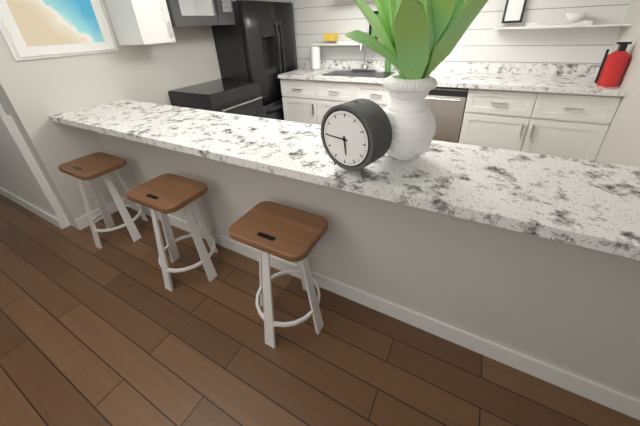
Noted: {"hour": 5, "minute": 45}
